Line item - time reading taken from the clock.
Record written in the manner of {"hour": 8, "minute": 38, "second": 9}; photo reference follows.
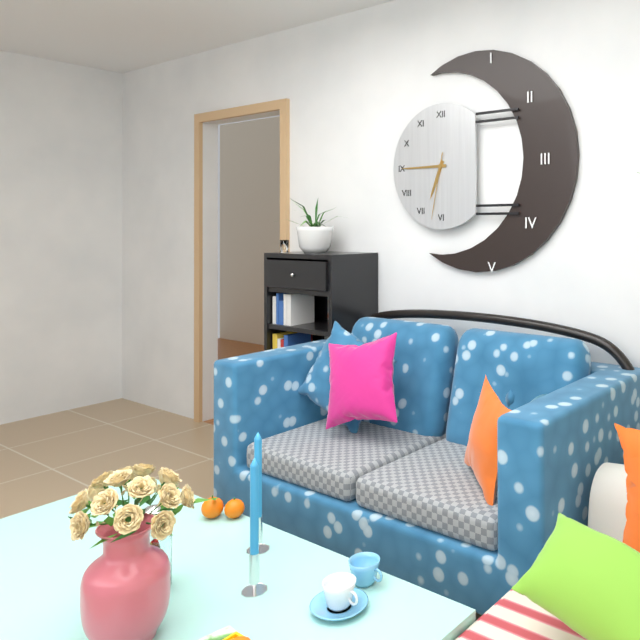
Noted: {"hour": 6, "minute": 45, "second": 32}
